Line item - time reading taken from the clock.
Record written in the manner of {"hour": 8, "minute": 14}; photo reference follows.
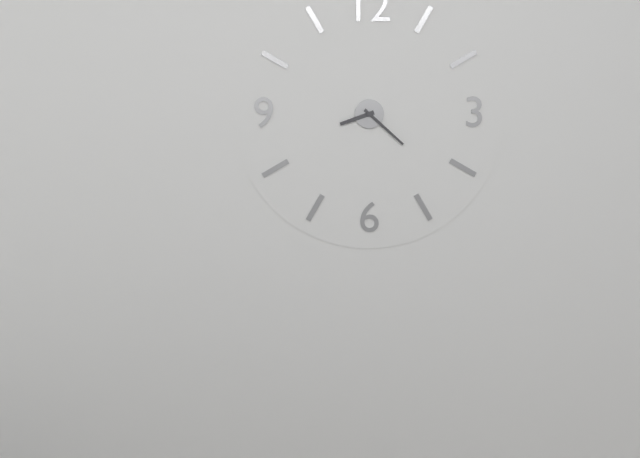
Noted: {"hour": 8, "minute": 22}
